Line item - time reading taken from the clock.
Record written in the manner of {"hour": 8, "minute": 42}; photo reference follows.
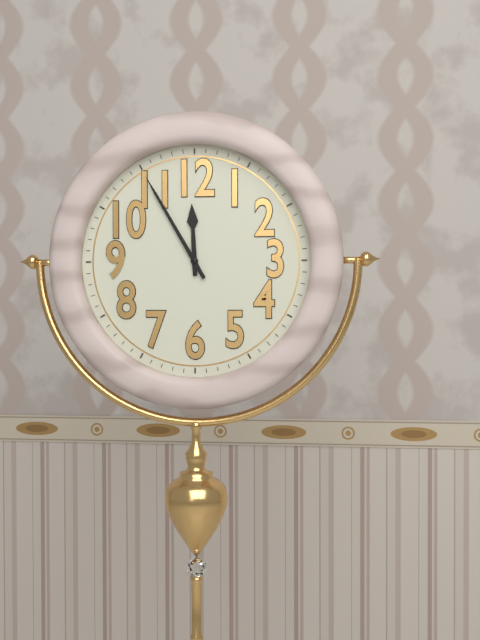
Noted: {"hour": 11, "minute": 55}
